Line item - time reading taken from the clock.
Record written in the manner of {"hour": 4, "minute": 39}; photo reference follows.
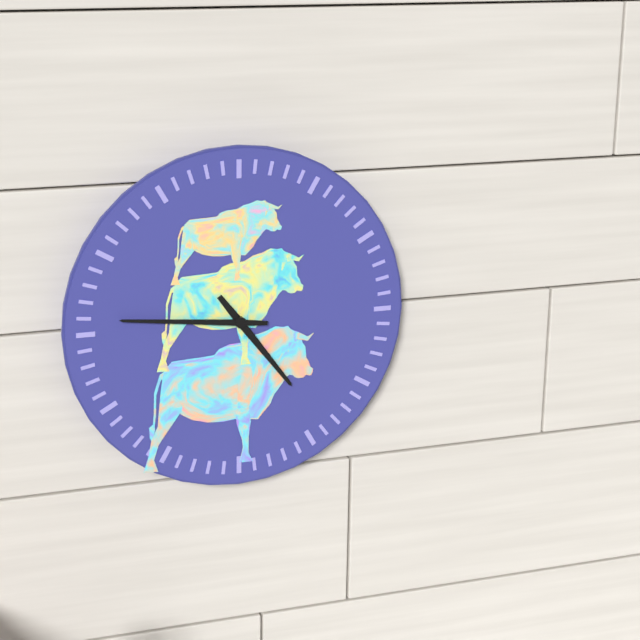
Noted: {"hour": 4, "minute": 46}
